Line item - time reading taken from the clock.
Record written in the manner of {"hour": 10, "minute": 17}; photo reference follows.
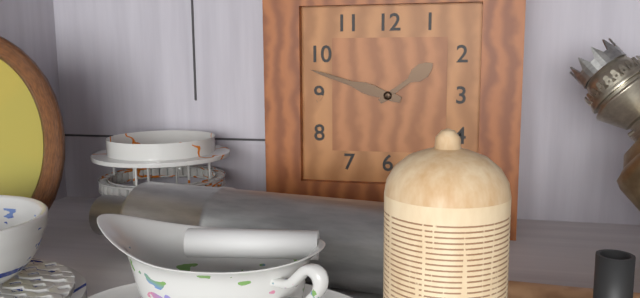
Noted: {"hour": 1, "minute": 48}
